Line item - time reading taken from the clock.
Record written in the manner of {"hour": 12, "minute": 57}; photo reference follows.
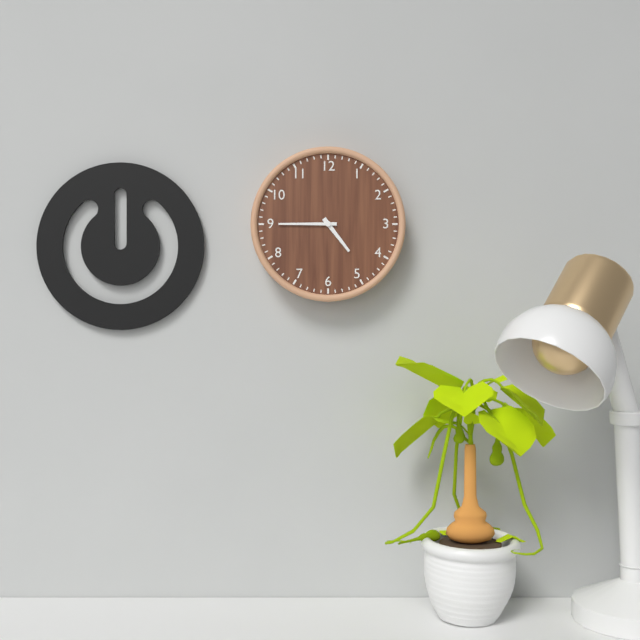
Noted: {"hour": 4, "minute": 45}
